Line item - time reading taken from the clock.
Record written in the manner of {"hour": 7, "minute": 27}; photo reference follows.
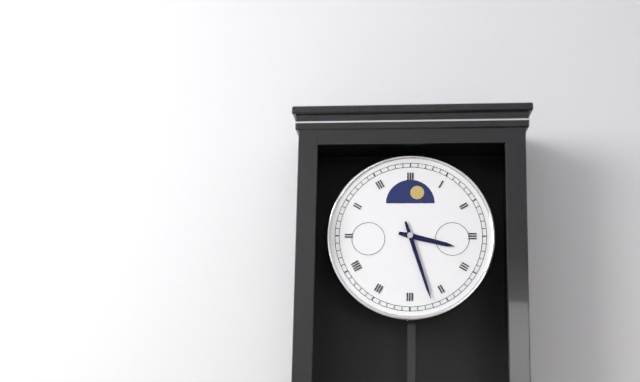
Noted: {"hour": 3, "minute": 27}
